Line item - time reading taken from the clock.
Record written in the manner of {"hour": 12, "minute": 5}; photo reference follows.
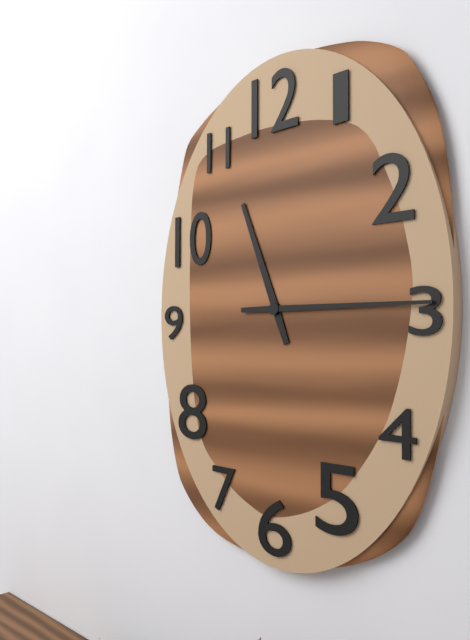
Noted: {"hour": 11, "minute": 15}
